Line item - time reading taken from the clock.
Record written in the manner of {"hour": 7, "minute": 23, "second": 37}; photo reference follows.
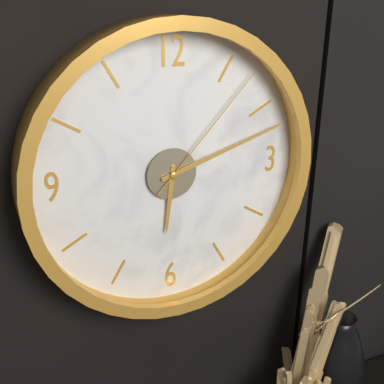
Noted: {"hour": 6, "minute": 12, "second": 7}
